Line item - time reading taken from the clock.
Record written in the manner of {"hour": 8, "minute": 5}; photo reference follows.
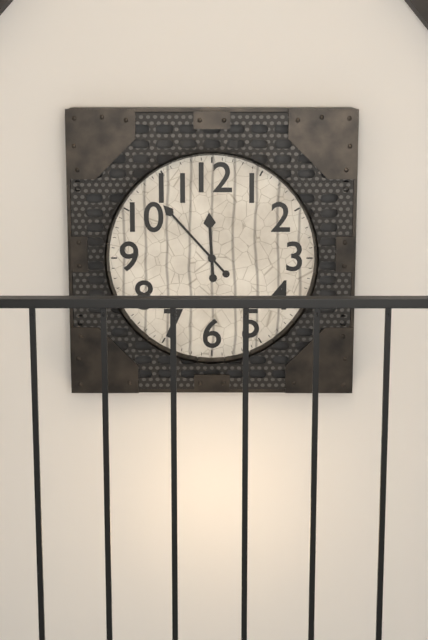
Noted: {"hour": 11, "minute": 53}
